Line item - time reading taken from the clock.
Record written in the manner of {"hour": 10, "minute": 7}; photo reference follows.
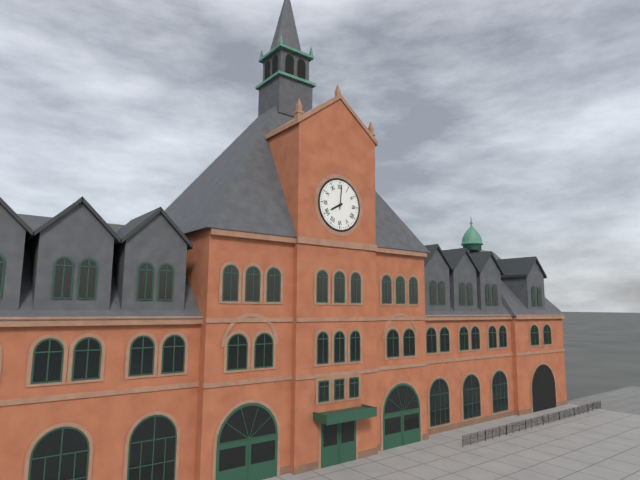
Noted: {"hour": 8, "minute": 1}
